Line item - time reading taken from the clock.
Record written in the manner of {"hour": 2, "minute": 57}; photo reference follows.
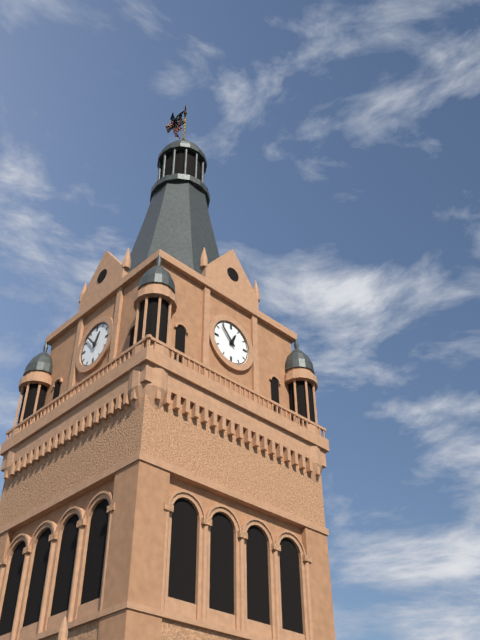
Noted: {"hour": 12, "minute": 53}
